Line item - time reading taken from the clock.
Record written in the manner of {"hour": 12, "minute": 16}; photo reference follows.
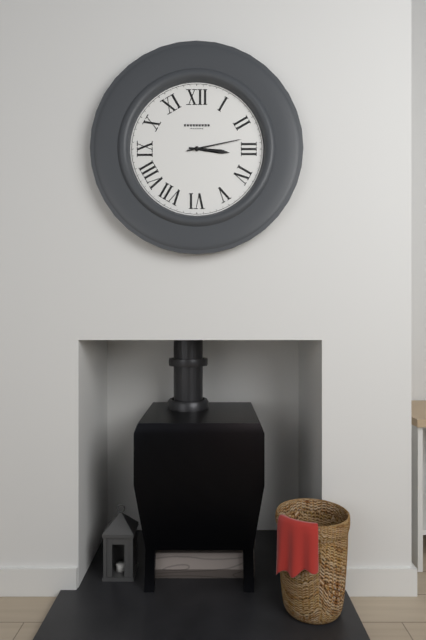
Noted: {"hour": 3, "minute": 13}
